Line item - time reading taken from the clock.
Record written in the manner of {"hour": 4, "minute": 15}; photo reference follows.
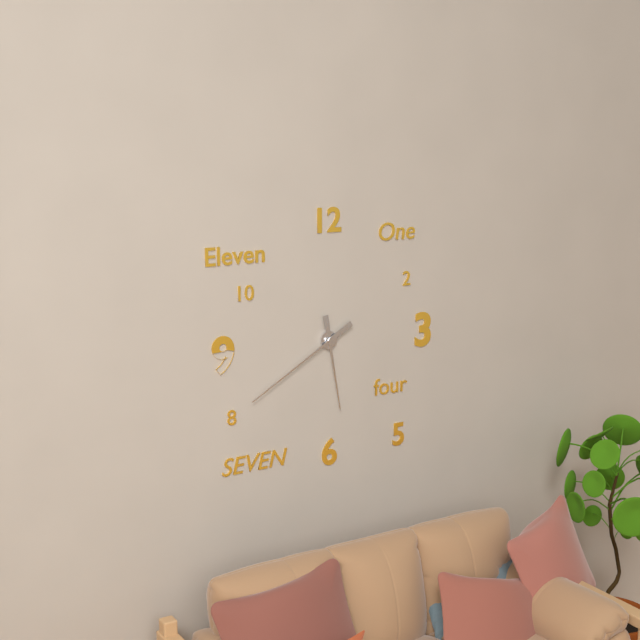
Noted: {"hour": 5, "minute": 40}
